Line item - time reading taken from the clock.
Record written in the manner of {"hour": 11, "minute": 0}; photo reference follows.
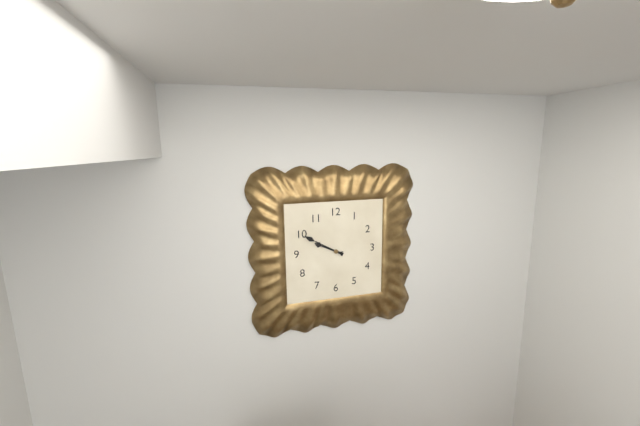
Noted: {"hour": 9, "minute": 50}
